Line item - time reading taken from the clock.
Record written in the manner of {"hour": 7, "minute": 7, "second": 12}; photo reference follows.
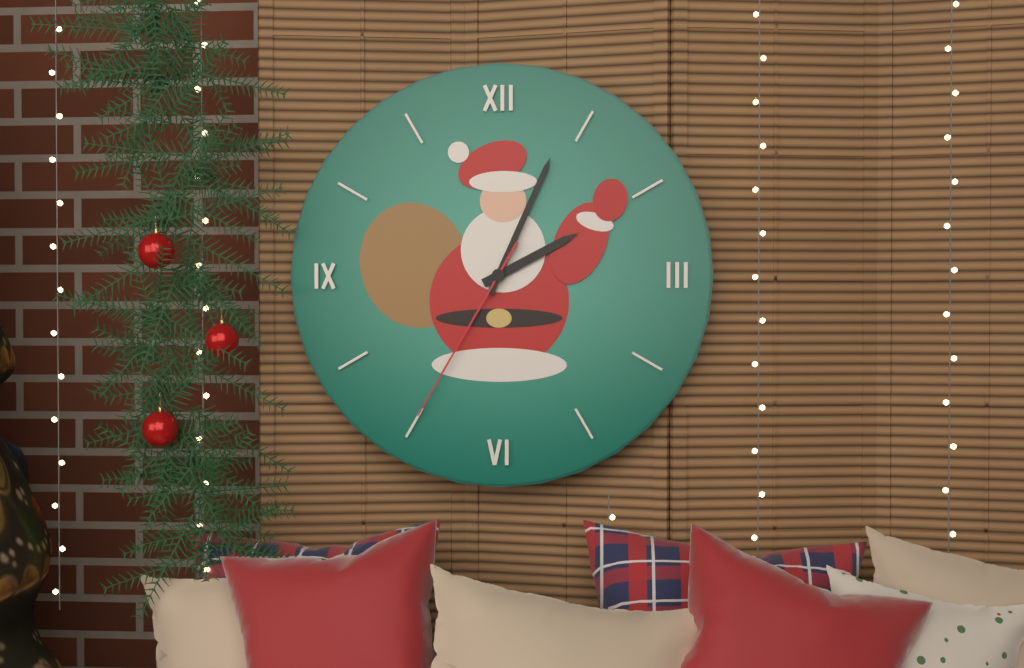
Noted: {"hour": 2, "minute": 4, "second": 35}
